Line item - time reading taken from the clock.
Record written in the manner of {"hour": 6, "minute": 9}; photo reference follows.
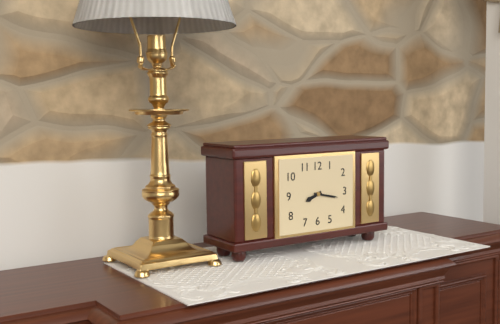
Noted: {"hour": 8, "minute": 17}
